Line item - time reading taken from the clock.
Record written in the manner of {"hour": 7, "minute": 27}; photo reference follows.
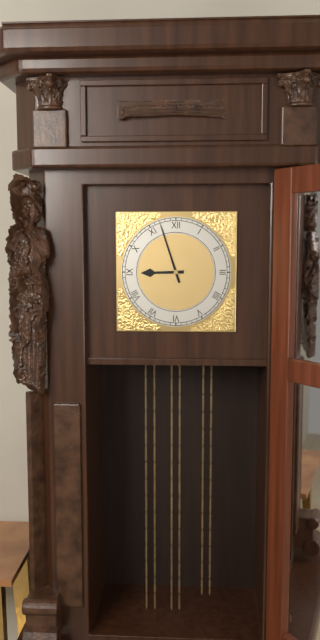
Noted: {"hour": 8, "minute": 57}
